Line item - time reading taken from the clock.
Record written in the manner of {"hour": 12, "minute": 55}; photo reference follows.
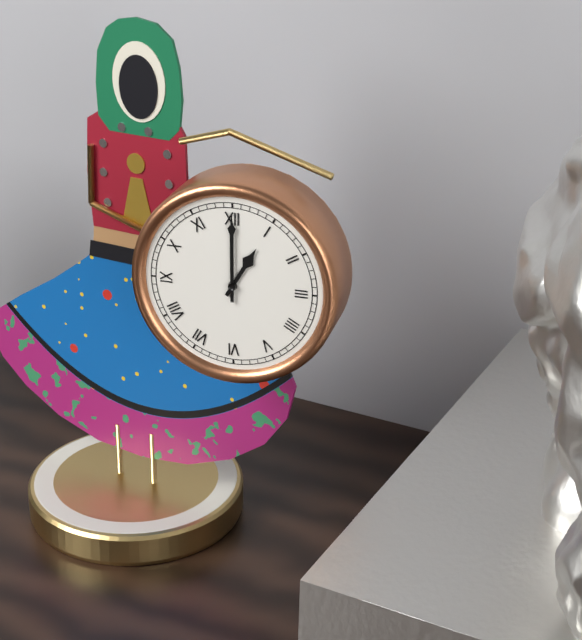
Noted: {"hour": 1, "minute": 0}
